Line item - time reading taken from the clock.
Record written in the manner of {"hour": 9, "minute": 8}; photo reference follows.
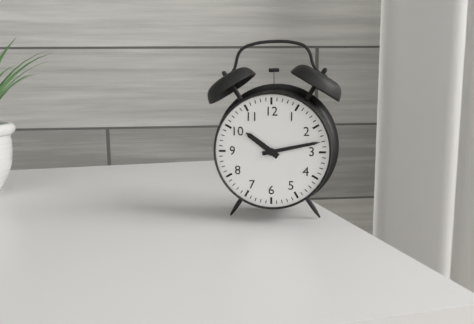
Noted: {"hour": 10, "minute": 13}
